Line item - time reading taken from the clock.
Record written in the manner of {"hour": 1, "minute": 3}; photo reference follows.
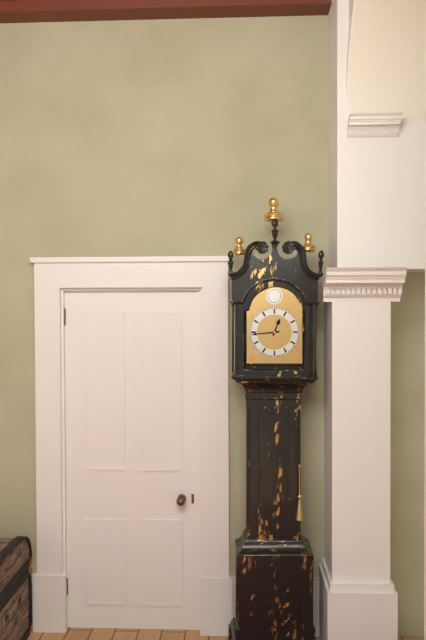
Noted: {"hour": 12, "minute": 44}
